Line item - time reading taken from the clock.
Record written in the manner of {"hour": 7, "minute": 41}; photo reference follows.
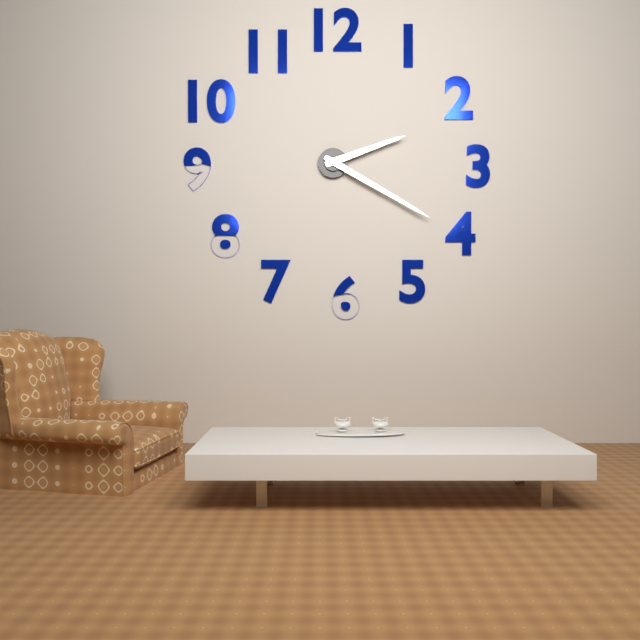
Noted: {"hour": 2, "minute": 20}
